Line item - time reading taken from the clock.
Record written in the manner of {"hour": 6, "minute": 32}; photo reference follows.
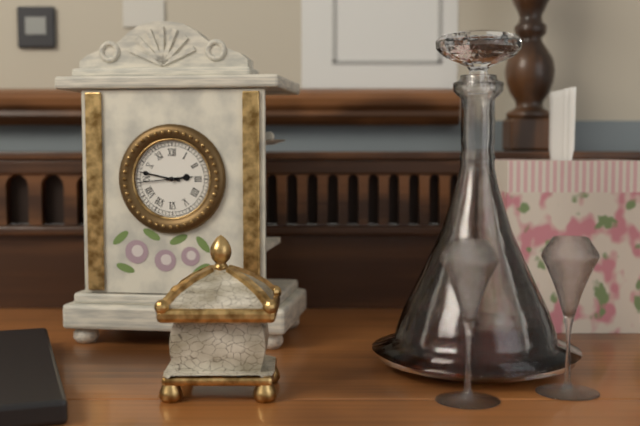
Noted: {"hour": 2, "minute": 47}
